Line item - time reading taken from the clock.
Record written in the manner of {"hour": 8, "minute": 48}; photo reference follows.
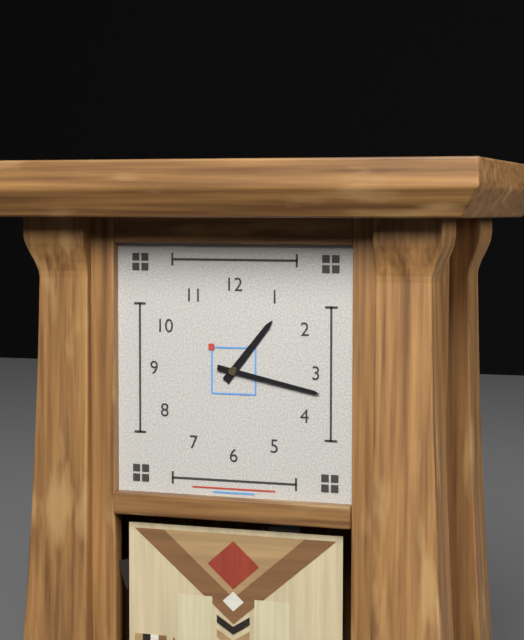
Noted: {"hour": 1, "minute": 17}
